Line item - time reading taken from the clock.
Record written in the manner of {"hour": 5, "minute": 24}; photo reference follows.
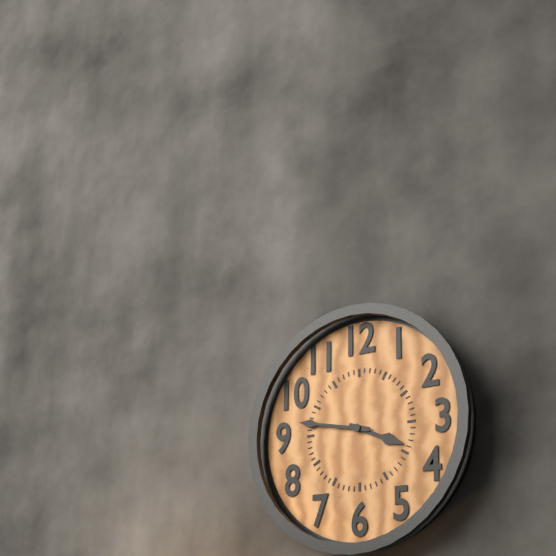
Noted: {"hour": 3, "minute": 47}
